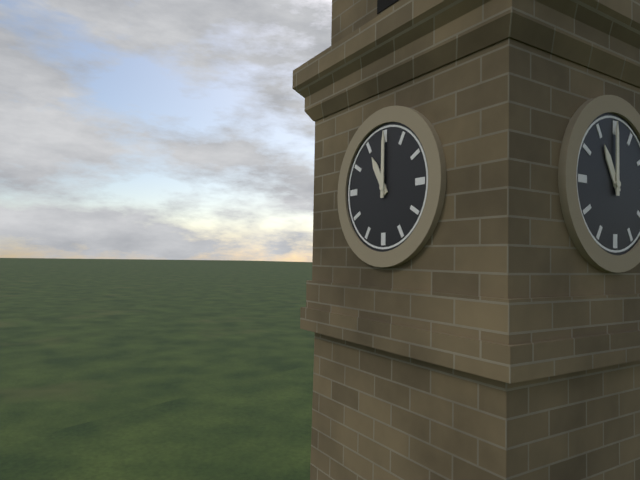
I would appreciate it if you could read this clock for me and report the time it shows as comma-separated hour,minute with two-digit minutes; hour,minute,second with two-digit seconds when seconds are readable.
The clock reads 11,00
